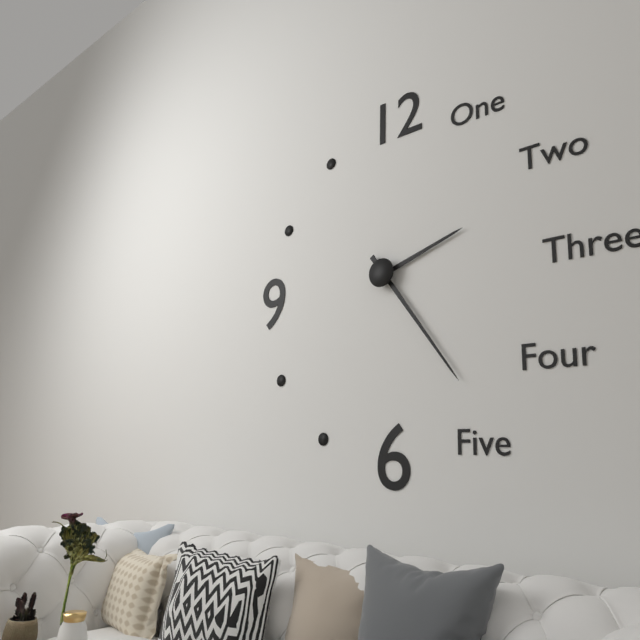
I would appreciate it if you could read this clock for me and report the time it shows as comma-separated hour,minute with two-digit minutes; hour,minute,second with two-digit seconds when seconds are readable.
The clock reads 2,24
